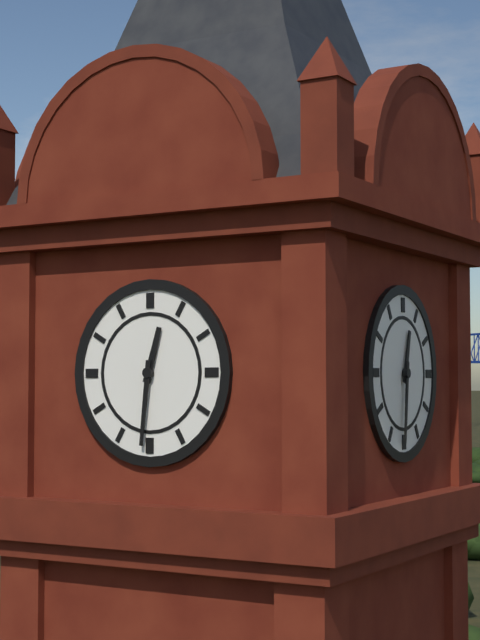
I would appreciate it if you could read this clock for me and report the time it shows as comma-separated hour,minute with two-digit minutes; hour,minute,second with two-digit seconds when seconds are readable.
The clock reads 12,31
